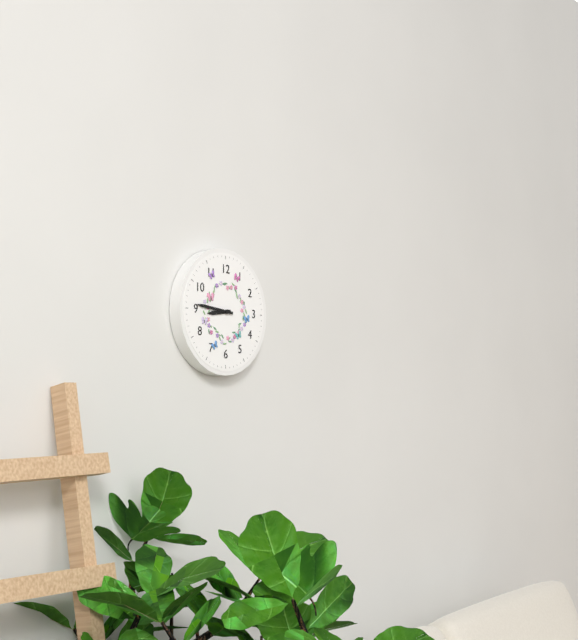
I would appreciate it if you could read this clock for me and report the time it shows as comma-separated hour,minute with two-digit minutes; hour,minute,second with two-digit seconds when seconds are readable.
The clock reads 8,46
